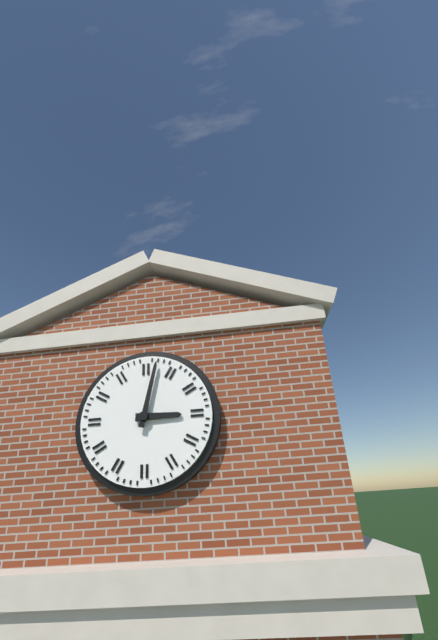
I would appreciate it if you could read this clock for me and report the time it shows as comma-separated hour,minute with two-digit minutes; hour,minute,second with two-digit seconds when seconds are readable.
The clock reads 3,02
